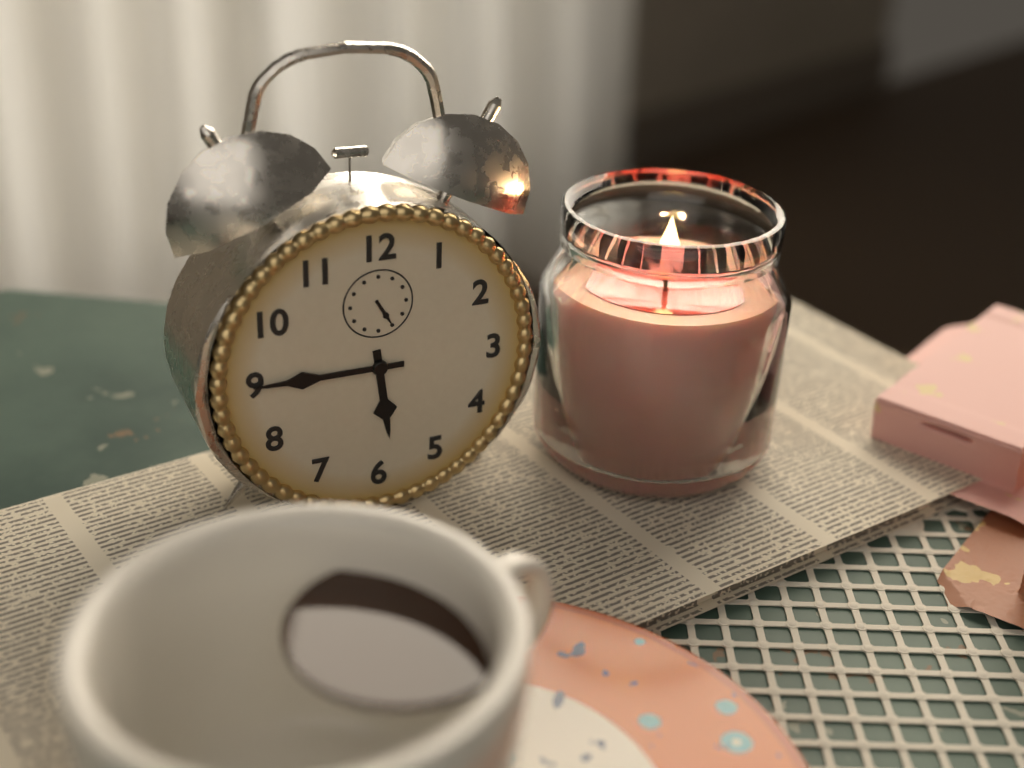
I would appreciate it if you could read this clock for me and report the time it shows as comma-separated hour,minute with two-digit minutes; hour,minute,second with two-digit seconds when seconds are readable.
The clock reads 5,45
